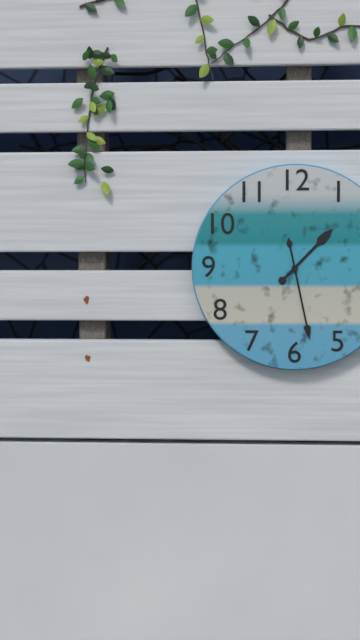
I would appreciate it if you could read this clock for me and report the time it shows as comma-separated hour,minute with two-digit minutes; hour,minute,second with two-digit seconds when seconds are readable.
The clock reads 1,28
